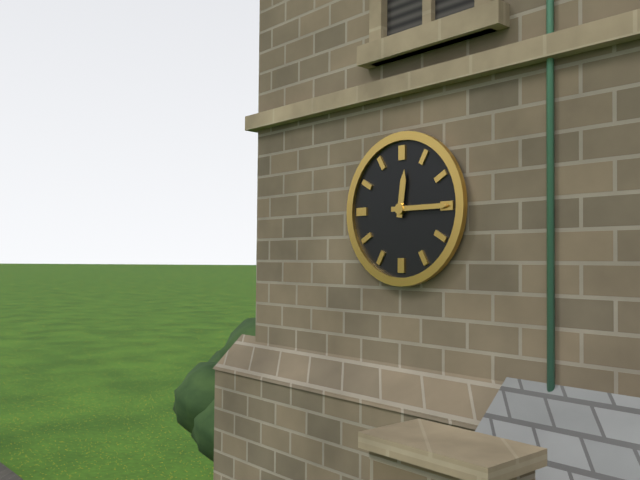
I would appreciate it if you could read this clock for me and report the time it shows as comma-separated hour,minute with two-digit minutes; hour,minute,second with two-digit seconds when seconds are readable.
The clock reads 12,15
